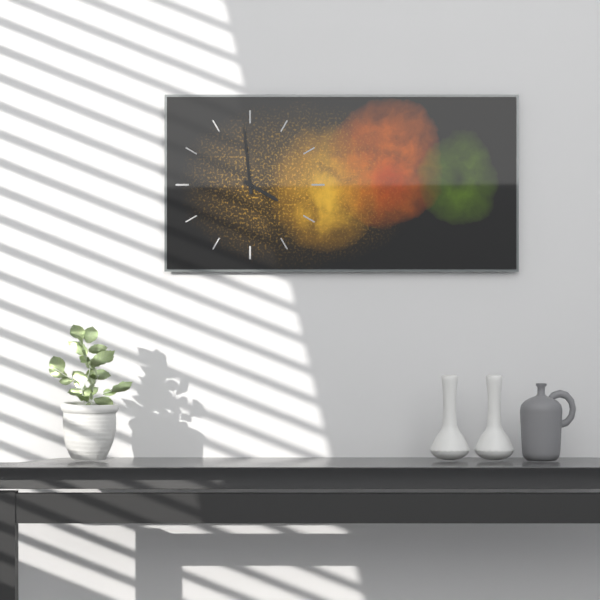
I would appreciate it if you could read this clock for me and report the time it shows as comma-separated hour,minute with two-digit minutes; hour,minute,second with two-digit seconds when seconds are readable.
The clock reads 3,59
